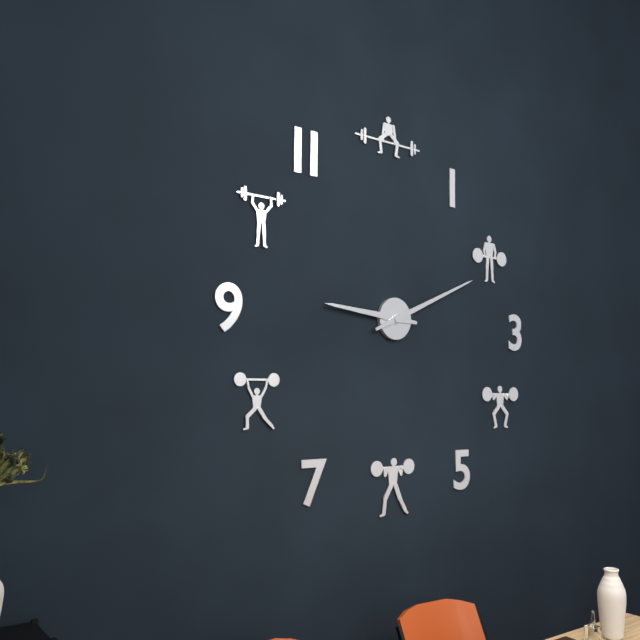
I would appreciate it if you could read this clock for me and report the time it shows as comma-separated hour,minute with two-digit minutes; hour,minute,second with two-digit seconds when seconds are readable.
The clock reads 9,11
